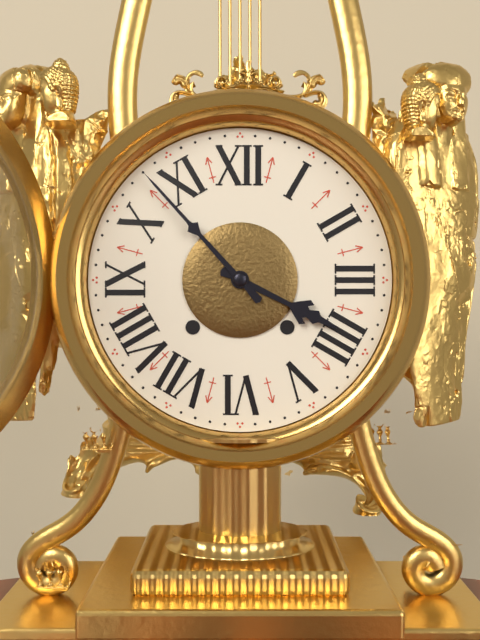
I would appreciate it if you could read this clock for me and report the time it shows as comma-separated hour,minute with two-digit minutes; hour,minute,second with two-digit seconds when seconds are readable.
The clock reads 3,53
